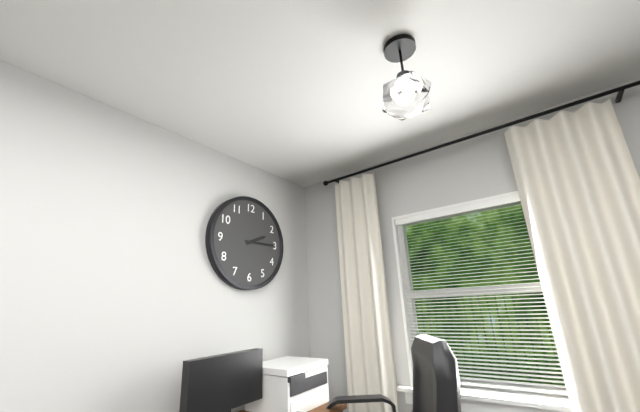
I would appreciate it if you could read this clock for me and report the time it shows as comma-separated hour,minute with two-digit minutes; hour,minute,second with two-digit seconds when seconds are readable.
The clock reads 2,15
